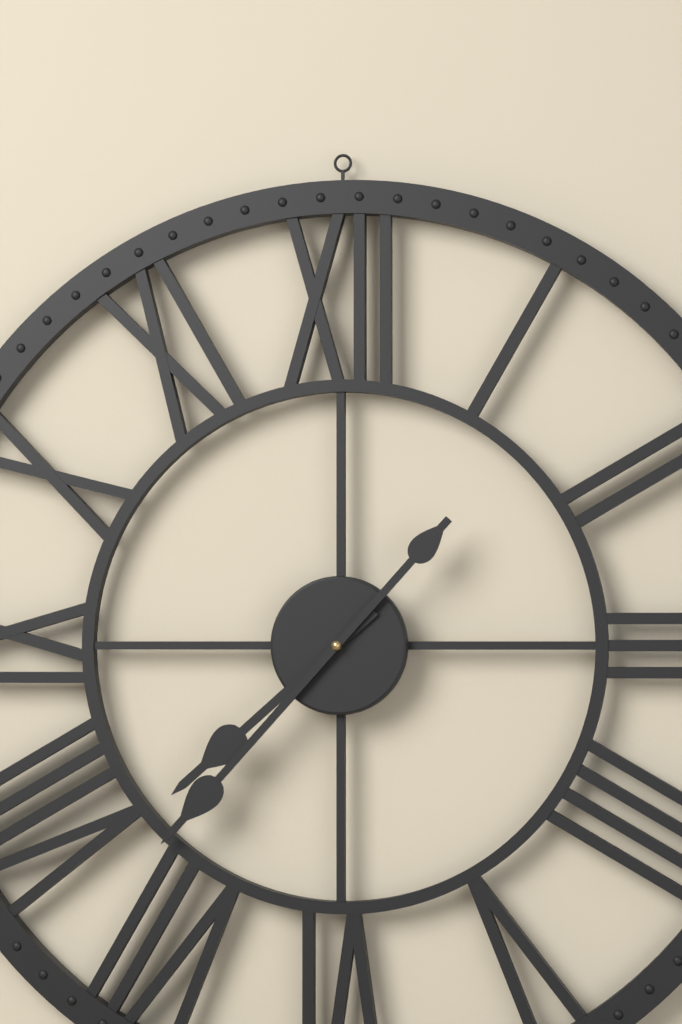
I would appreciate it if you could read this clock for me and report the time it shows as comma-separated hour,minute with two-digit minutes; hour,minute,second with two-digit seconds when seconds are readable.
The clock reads 7,37
